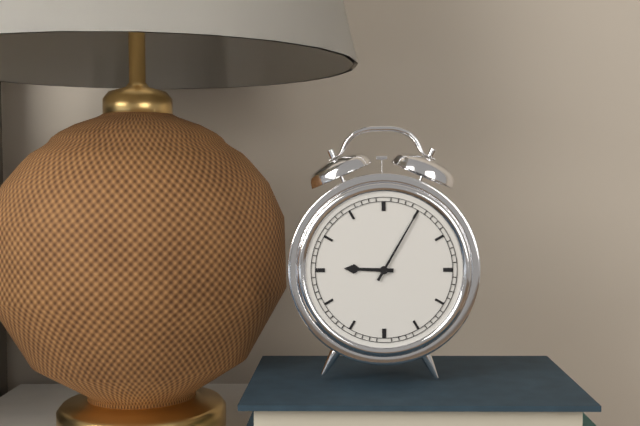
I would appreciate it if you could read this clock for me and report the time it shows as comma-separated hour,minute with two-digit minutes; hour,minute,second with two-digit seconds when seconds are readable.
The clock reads 9,05
